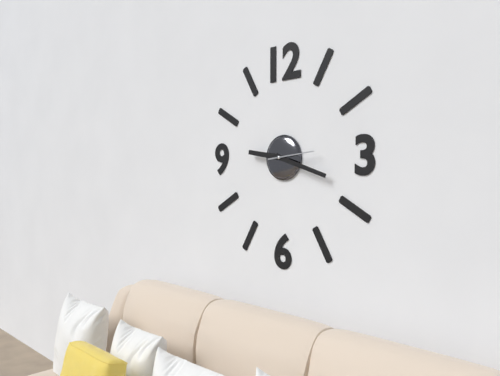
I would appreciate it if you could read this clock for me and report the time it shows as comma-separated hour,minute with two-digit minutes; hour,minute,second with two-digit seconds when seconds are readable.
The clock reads 9,18
